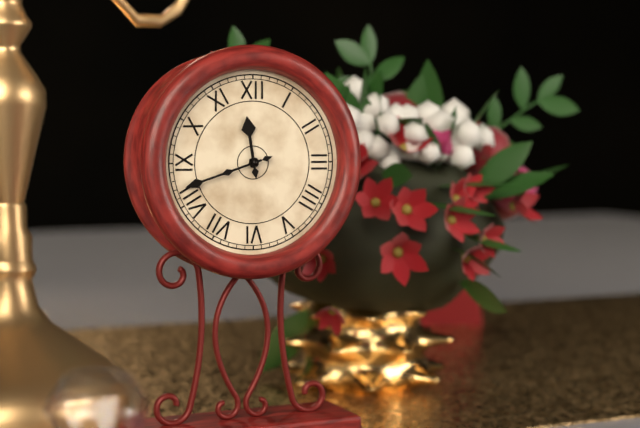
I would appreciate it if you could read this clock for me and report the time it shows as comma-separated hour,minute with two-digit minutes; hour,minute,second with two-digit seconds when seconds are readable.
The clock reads 11,42
